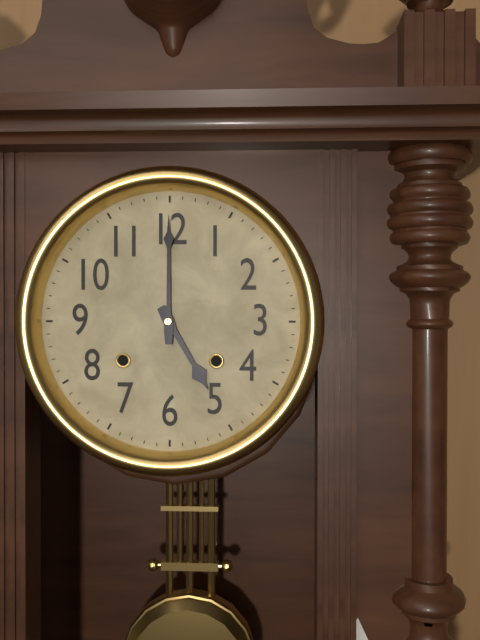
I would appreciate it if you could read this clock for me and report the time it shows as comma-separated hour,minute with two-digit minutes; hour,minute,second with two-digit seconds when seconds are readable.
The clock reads 5,00
